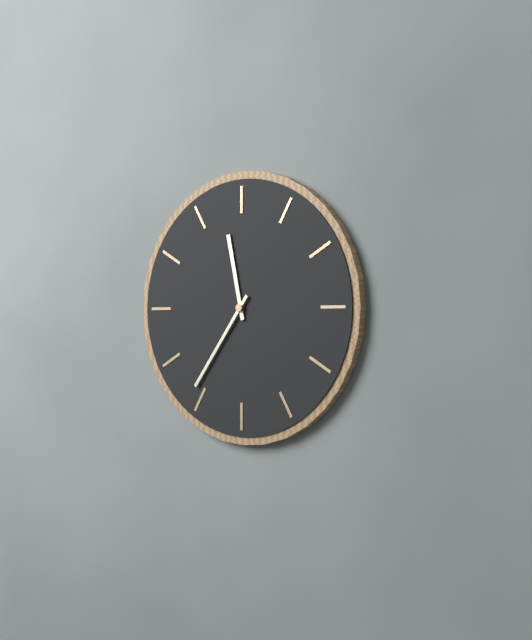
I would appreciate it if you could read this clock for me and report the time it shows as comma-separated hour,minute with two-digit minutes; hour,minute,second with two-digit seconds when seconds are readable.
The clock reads 11,36
